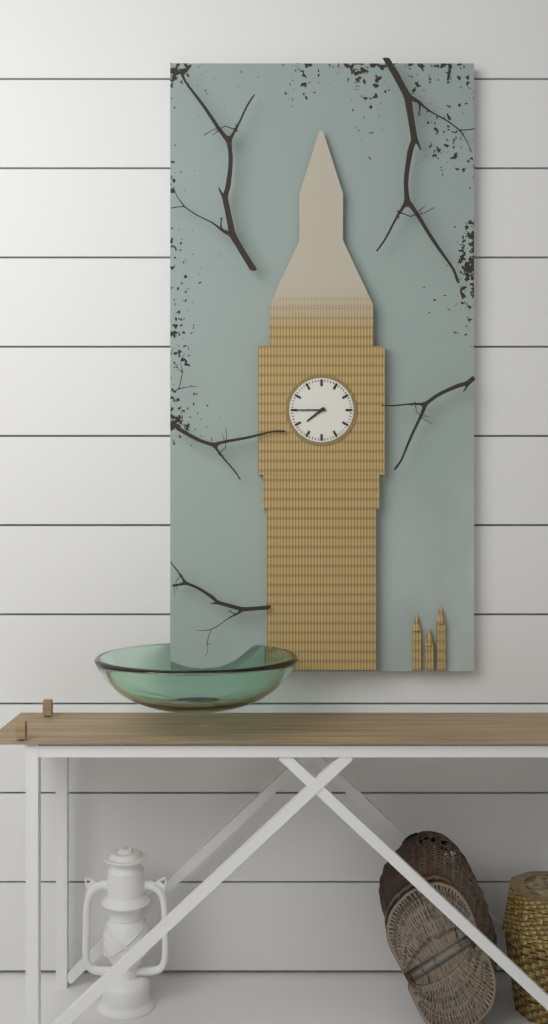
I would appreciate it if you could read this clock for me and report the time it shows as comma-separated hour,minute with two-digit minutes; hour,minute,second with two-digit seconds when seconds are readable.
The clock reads 7,45
